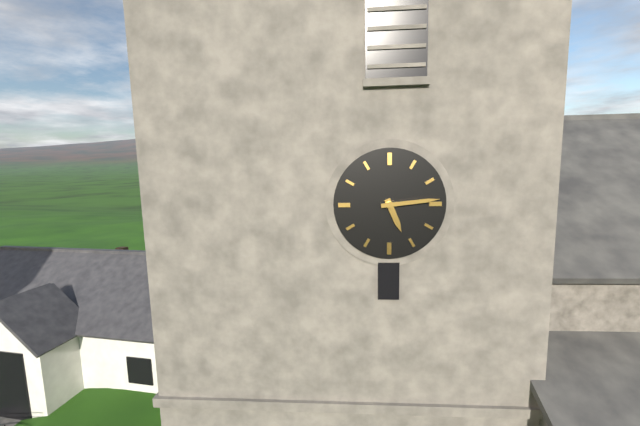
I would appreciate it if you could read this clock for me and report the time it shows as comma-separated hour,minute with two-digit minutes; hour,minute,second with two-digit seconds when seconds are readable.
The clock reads 5,14
